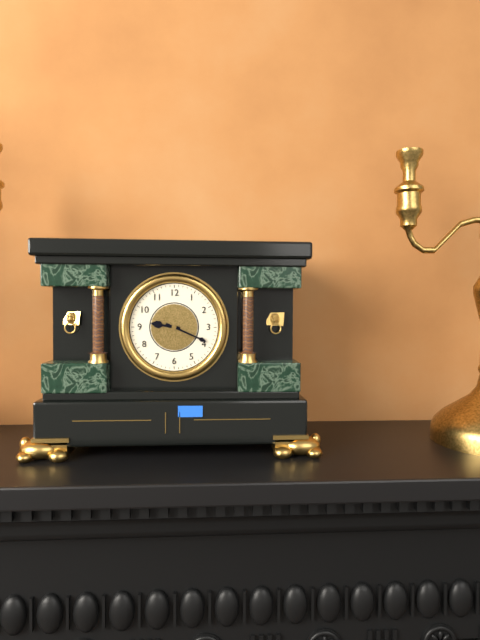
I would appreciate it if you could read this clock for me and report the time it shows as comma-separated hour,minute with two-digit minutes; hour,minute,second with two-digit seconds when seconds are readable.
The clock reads 9,19
